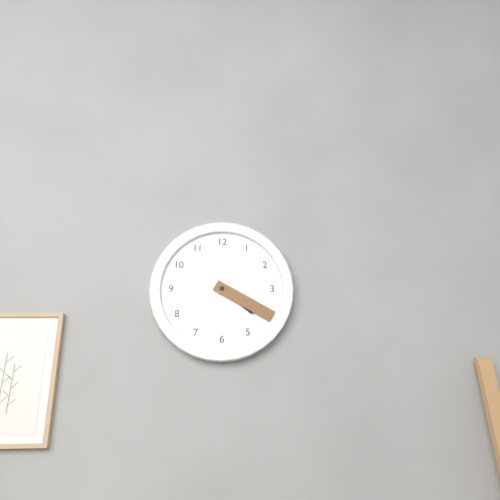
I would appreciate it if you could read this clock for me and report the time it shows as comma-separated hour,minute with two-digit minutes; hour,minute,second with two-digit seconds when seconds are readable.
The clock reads 4,20
